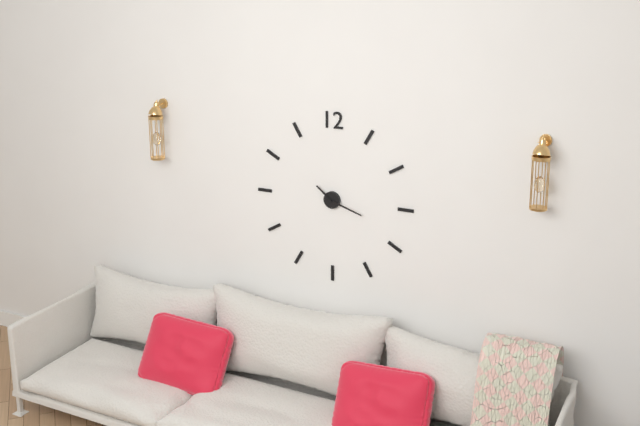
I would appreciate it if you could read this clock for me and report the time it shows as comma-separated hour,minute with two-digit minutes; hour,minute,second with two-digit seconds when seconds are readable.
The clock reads 10,18
